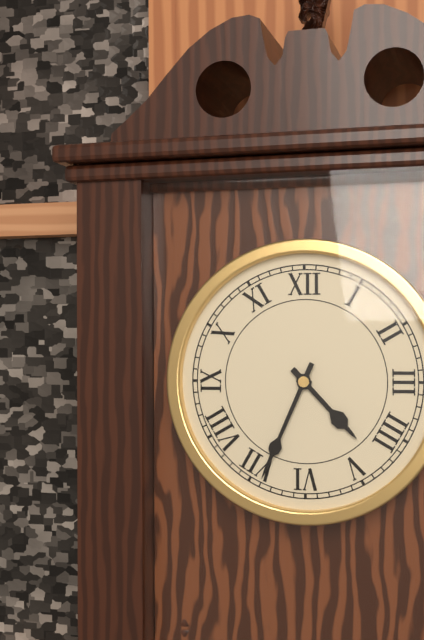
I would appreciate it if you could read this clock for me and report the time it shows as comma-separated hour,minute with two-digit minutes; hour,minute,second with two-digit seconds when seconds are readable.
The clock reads 4,34
